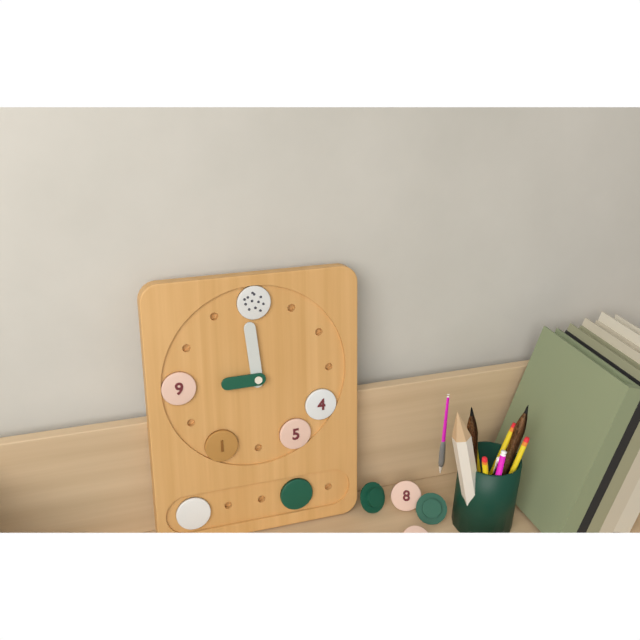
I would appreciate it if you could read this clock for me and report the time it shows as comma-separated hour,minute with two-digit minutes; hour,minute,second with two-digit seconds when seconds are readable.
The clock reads 8,59
